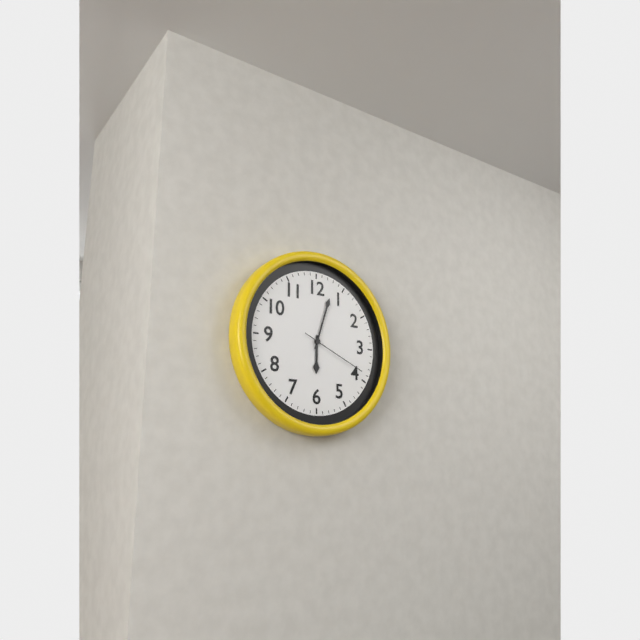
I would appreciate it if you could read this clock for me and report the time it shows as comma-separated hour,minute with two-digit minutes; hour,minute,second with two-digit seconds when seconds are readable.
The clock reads 6,03,19
